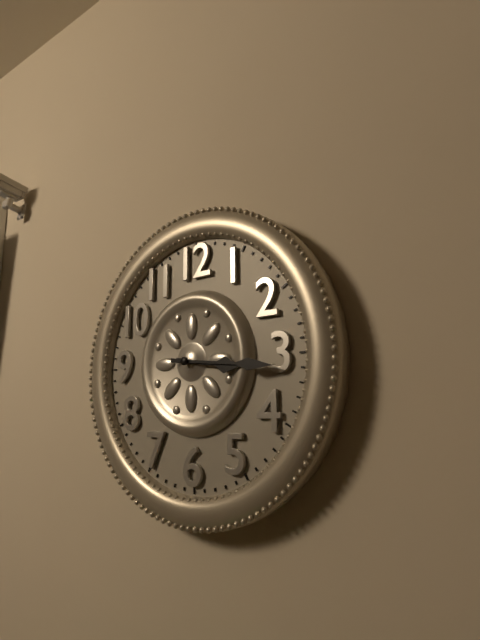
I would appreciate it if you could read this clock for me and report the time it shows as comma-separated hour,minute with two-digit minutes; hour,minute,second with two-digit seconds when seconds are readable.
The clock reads 3,16
